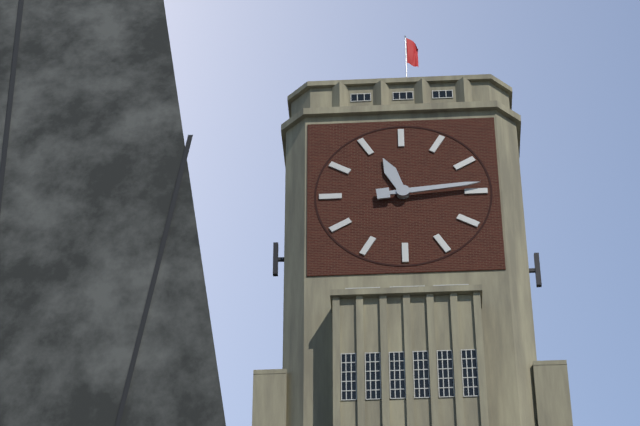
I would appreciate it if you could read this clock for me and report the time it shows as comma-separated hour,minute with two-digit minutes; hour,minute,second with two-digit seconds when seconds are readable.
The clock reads 11,14
